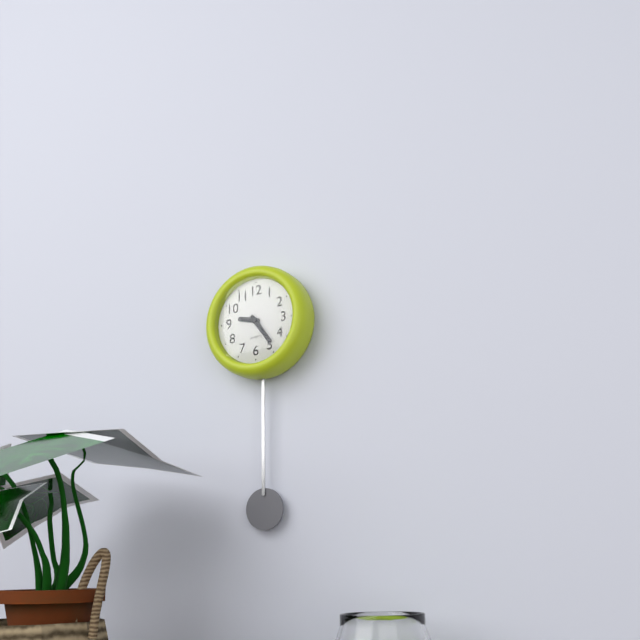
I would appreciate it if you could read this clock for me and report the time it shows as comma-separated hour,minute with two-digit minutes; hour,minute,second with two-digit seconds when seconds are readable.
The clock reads 9,24
